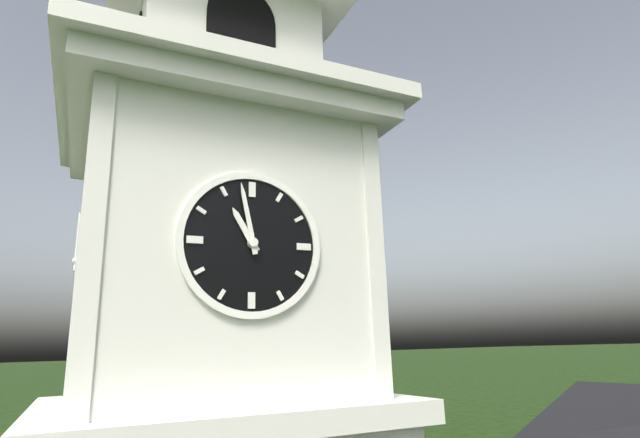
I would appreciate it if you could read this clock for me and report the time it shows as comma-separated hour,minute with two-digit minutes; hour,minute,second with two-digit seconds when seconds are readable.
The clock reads 10,58
